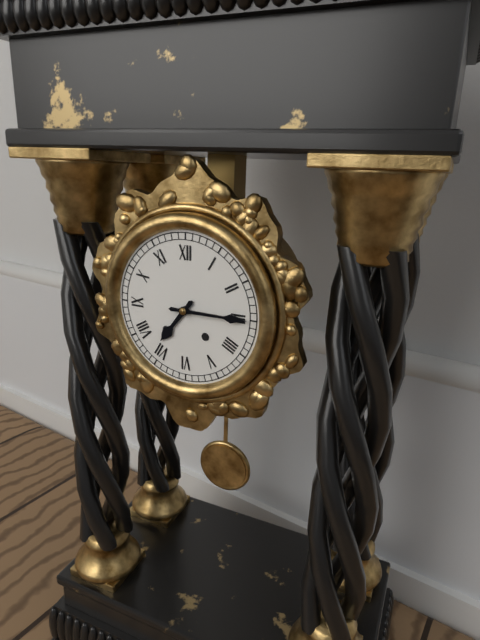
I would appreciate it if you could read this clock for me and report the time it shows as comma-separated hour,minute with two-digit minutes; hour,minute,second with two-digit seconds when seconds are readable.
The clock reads 7,15
